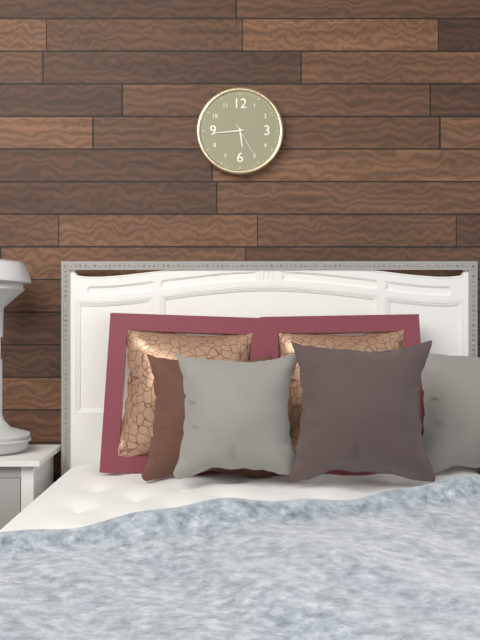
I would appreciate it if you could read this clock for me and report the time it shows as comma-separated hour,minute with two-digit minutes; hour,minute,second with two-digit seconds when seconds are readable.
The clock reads 5,44
